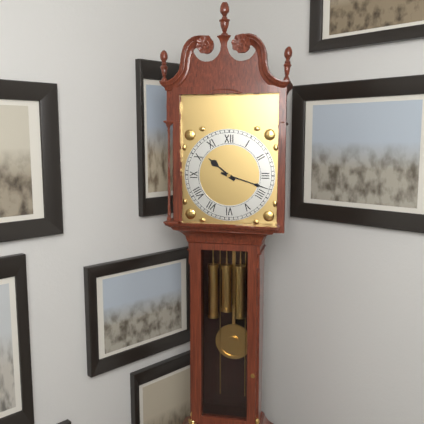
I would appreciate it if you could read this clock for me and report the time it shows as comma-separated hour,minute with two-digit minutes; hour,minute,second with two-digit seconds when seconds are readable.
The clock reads 10,18
